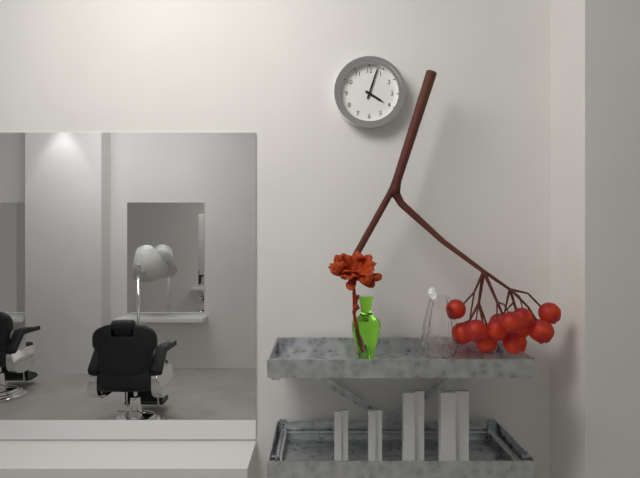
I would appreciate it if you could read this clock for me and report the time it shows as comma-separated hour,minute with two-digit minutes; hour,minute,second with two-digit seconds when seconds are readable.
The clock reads 4,03
